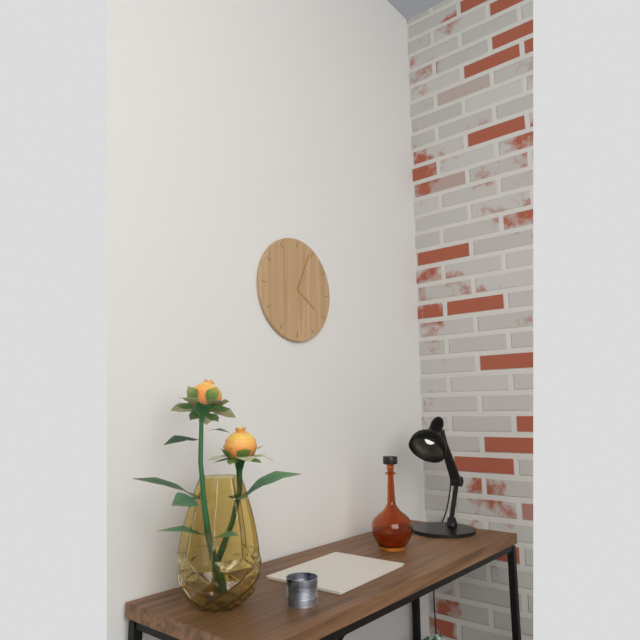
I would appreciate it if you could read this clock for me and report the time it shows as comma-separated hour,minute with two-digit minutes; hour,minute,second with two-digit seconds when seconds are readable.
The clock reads 4,04
